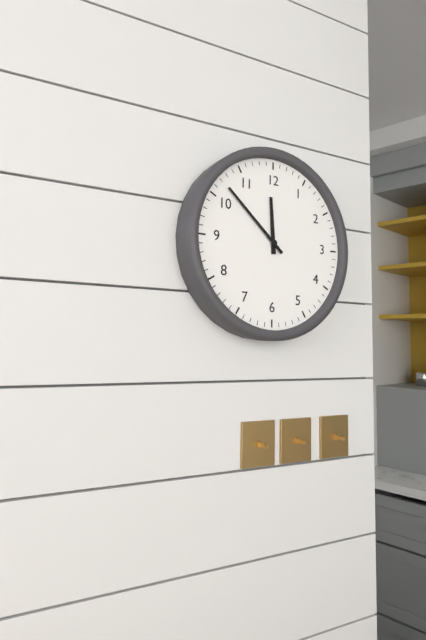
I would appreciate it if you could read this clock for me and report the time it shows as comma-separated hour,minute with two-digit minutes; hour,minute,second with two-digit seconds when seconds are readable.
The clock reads 11,52
